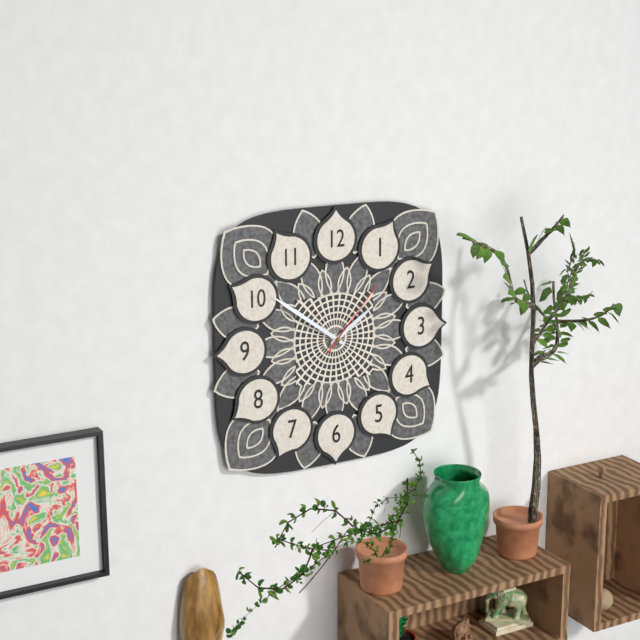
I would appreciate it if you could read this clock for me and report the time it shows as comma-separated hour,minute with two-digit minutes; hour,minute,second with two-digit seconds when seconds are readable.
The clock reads 1,51,07
